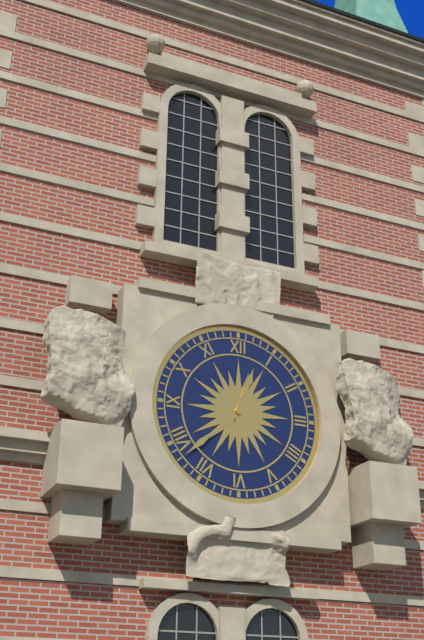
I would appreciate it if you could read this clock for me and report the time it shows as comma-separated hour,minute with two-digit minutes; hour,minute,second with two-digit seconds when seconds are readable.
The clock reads 12,38
